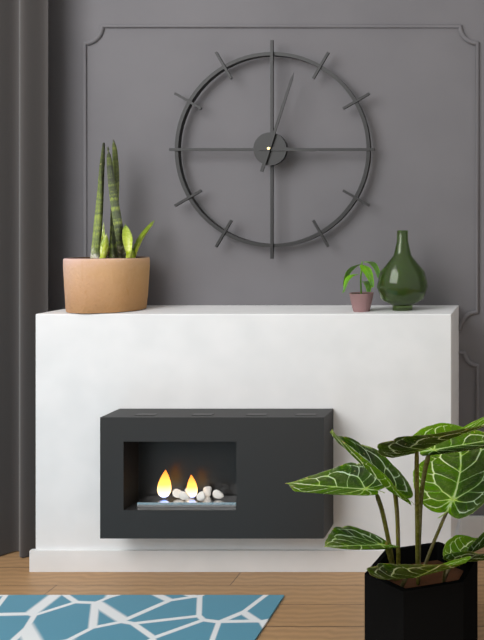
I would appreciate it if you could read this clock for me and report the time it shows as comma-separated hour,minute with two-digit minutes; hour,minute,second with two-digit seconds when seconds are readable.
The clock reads 3,03
